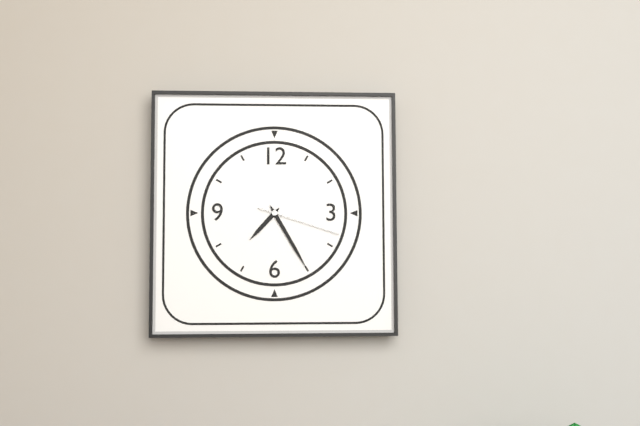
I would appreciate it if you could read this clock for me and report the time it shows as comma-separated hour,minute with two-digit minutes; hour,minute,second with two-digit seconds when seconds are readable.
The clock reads 7,25,18
